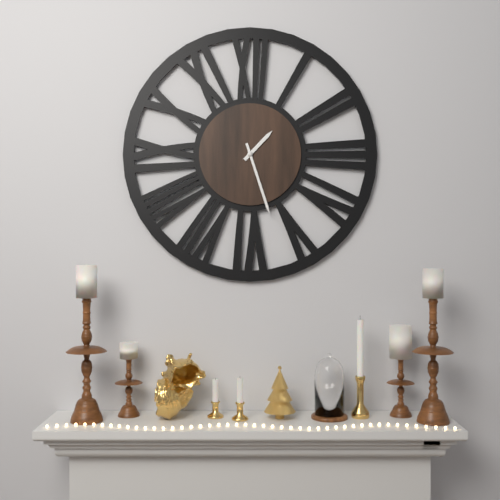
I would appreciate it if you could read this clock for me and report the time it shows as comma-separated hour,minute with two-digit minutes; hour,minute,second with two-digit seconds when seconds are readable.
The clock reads 1,27
